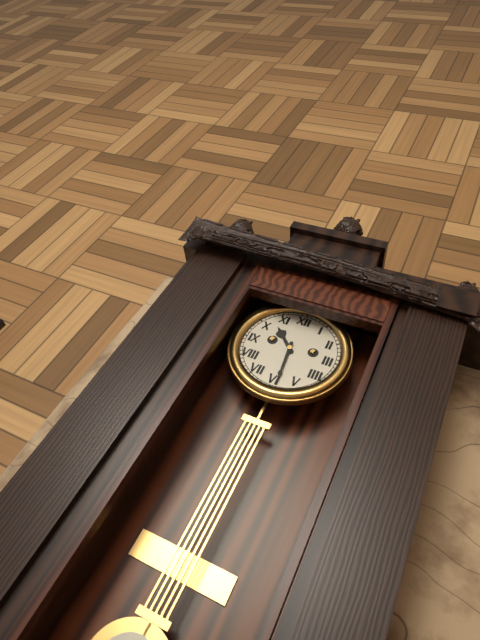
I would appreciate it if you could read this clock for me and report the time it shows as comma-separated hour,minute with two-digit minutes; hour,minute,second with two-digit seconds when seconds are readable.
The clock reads 10,29
